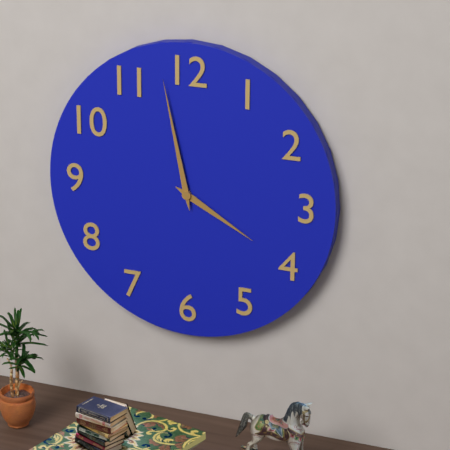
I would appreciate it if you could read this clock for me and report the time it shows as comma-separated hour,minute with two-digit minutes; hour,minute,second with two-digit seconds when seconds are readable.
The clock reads 3,58
